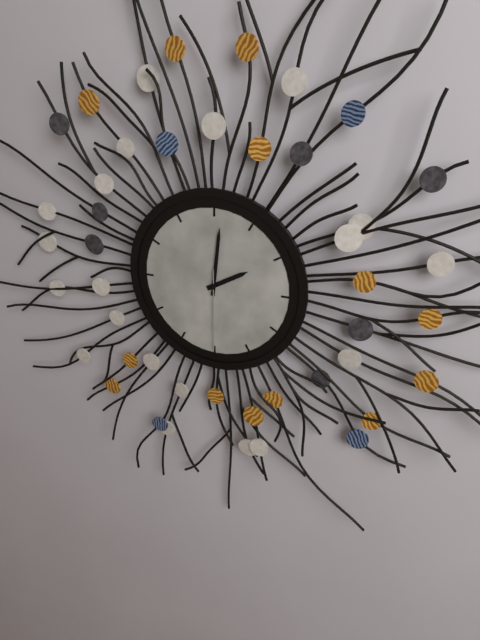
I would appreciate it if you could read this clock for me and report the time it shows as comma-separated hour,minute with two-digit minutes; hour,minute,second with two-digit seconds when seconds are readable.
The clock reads 2,01,30
